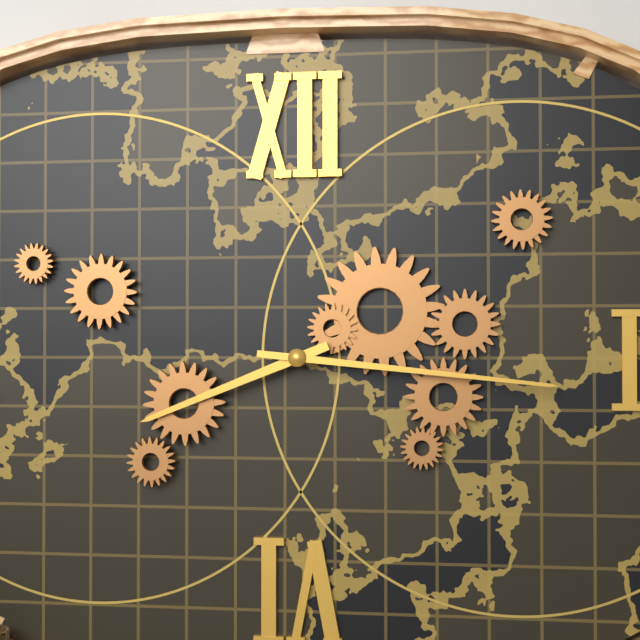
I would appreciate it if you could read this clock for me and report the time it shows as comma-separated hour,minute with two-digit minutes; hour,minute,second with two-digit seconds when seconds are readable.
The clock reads 8,16
